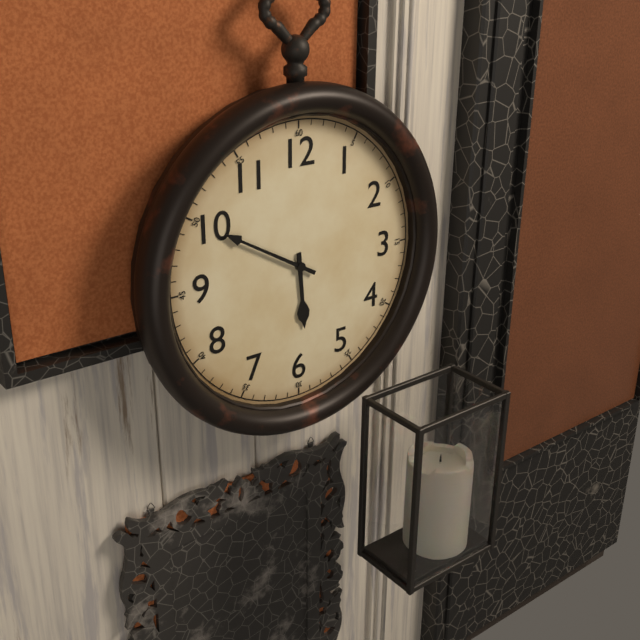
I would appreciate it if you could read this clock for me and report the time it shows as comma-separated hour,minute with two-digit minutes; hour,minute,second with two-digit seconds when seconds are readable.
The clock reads 5,50
